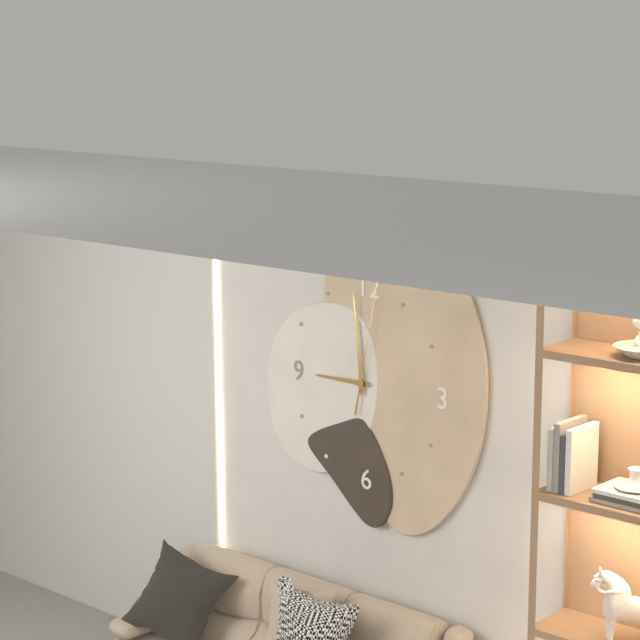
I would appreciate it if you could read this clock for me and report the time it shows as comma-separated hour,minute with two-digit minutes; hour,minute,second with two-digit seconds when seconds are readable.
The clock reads 8,59,02
